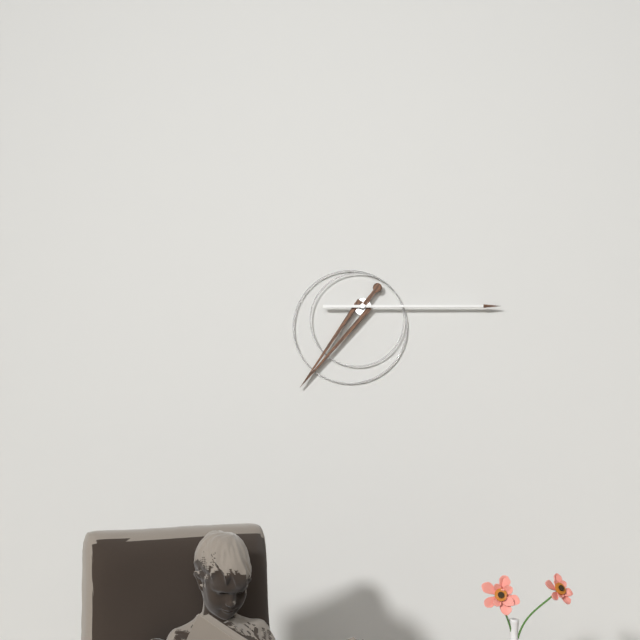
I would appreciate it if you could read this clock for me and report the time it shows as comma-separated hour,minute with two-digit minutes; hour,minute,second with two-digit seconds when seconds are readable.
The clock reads 7,15
